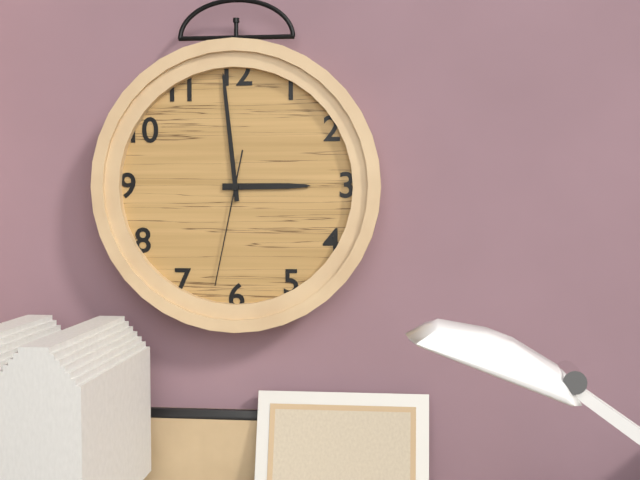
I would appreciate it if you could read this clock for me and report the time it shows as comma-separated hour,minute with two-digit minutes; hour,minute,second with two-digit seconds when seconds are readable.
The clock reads 2,59,32
